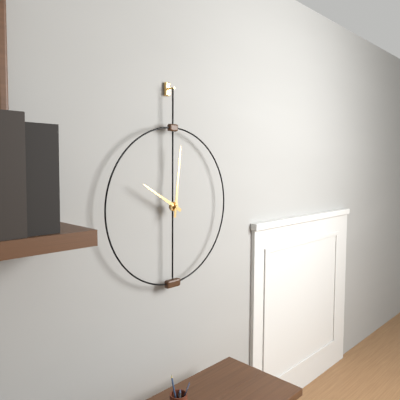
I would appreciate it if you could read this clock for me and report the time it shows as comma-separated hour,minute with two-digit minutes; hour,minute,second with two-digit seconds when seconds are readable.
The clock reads 10,01
